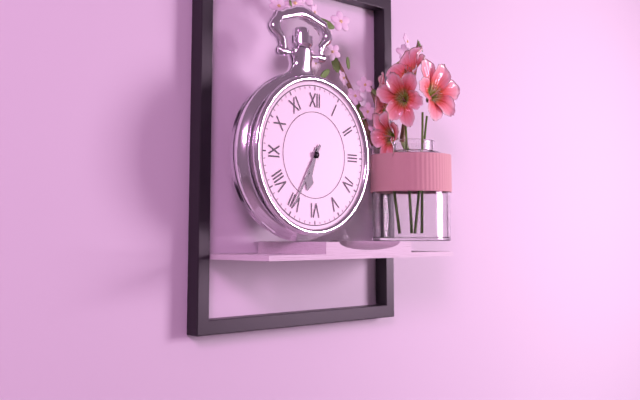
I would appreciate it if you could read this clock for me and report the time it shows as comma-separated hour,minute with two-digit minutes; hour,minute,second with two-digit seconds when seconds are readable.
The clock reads 6,35
